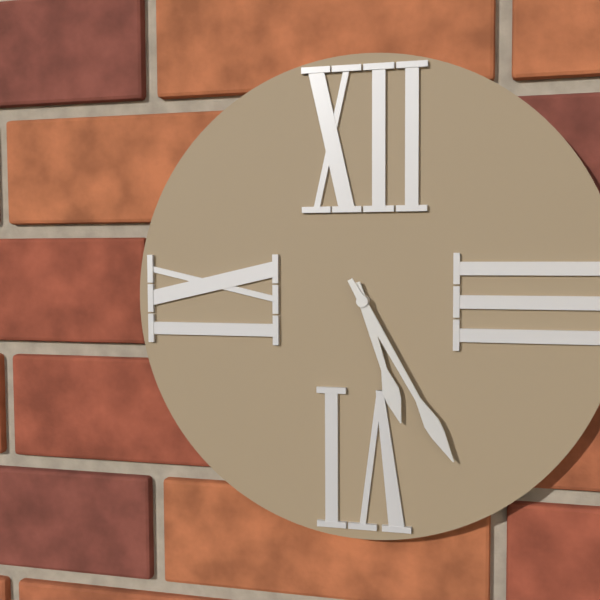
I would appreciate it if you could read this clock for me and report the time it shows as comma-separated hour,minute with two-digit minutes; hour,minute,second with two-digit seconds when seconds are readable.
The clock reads 5,25
